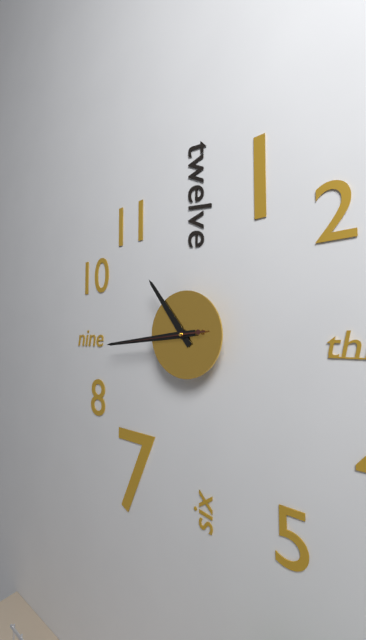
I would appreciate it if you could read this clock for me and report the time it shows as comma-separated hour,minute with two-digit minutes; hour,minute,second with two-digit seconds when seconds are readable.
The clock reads 10,44,44
